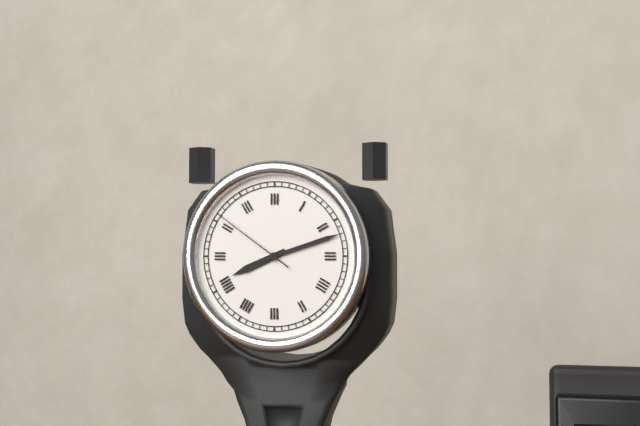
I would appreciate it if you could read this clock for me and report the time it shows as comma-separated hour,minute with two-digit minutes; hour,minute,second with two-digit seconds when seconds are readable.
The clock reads 8,12,51
